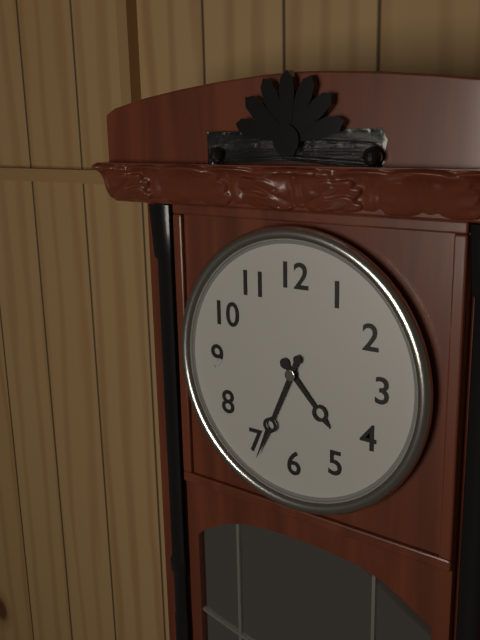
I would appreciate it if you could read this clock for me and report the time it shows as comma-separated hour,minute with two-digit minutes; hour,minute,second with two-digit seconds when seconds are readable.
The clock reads 4,34
